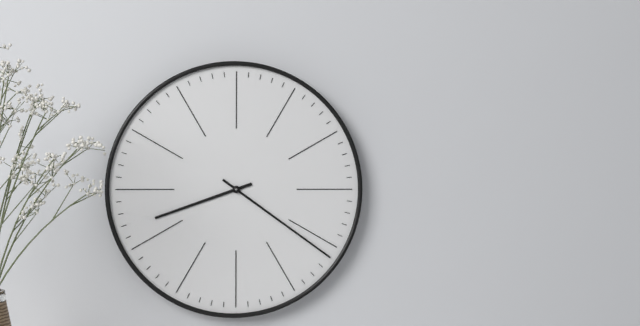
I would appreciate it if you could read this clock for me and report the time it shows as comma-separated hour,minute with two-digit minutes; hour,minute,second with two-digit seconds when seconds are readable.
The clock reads 8,21
